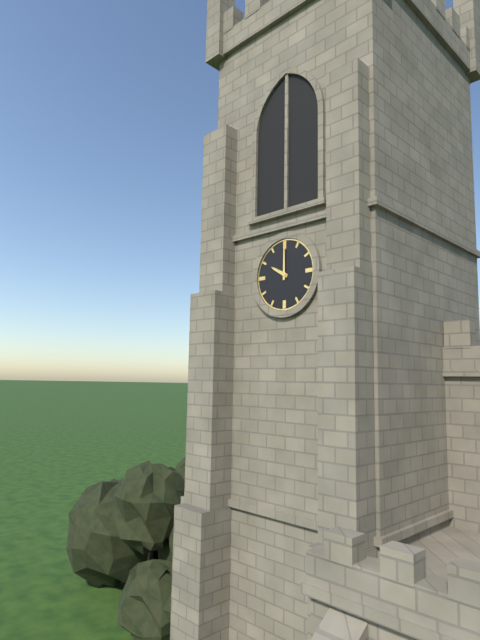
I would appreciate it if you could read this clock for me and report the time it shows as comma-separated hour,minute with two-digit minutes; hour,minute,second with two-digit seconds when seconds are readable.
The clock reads 10,00
